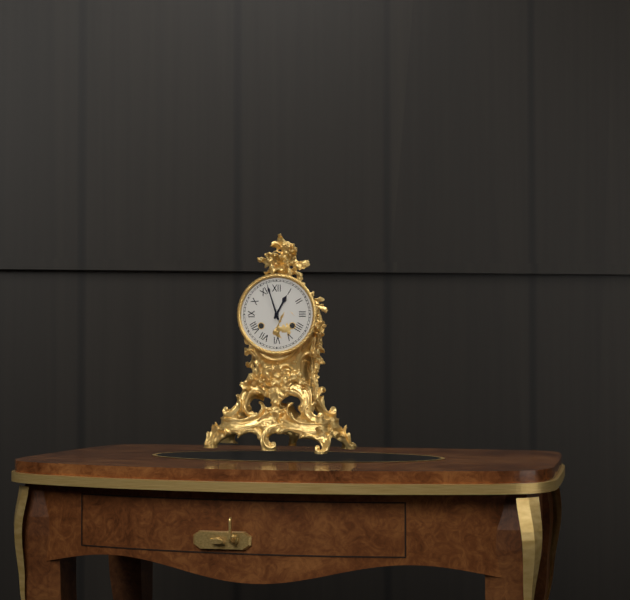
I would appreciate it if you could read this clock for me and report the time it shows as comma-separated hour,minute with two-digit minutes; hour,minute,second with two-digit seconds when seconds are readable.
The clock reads 12,57
